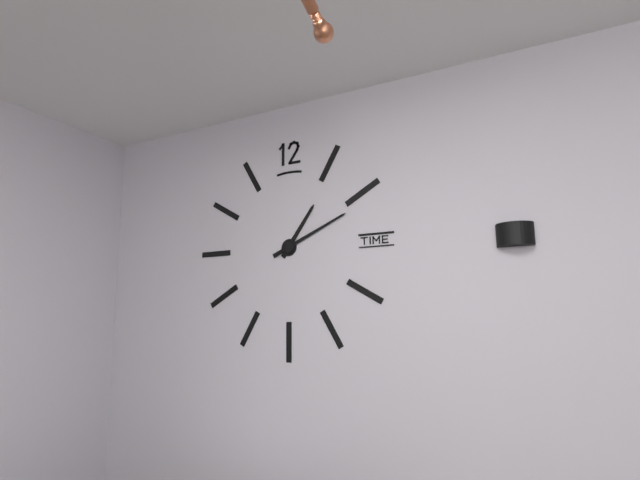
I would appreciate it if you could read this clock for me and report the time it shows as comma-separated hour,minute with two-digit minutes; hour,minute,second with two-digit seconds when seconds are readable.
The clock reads 1,11
